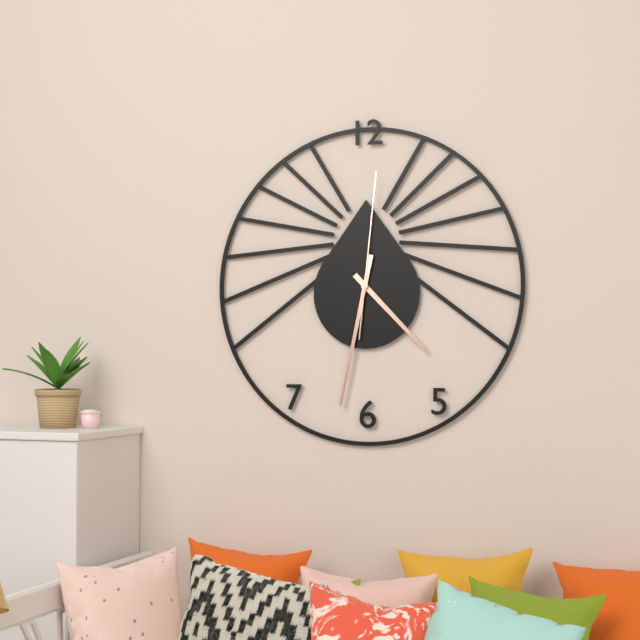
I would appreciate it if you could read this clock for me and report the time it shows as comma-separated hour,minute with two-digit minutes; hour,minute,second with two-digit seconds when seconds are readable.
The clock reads 4,32,01
